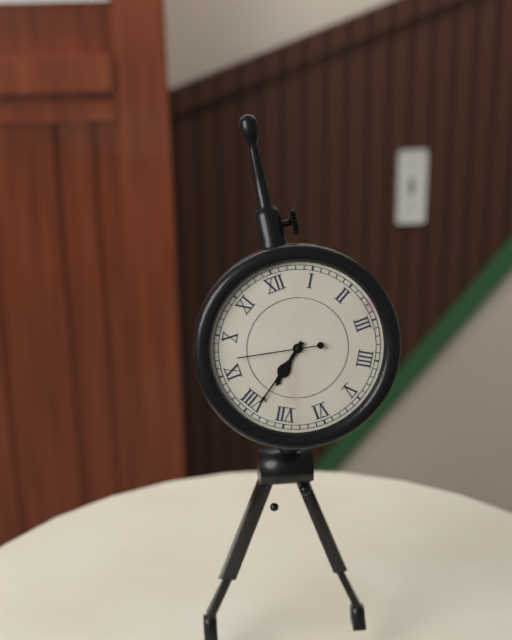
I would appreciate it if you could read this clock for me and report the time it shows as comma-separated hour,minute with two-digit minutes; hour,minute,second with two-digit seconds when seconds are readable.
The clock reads 7,39,47
